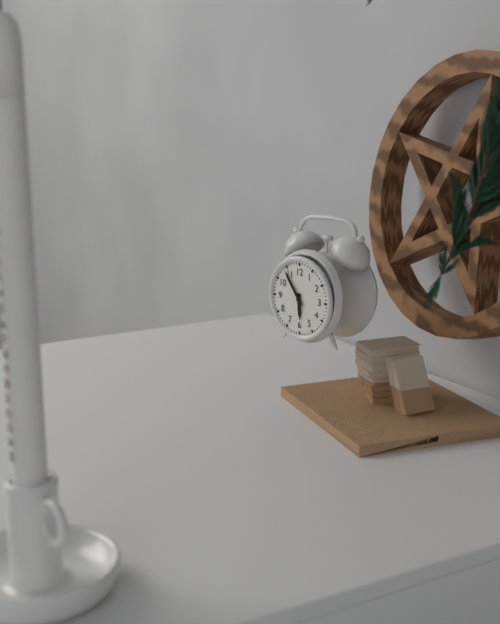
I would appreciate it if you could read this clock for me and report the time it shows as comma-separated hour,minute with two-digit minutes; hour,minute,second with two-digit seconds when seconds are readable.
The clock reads 5,54
